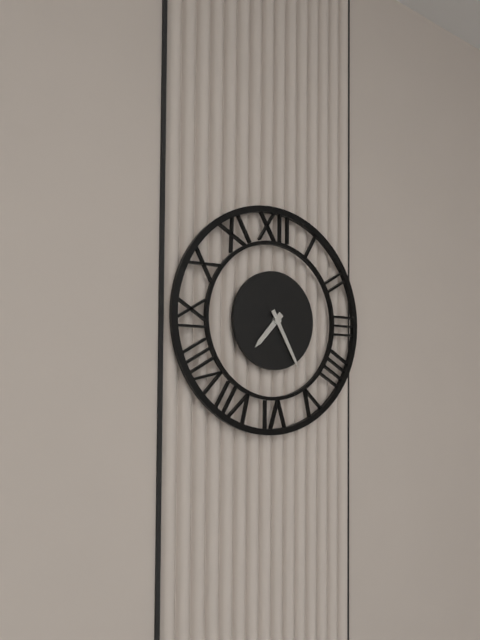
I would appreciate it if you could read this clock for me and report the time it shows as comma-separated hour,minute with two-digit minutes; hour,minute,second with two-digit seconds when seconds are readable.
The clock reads 7,25
